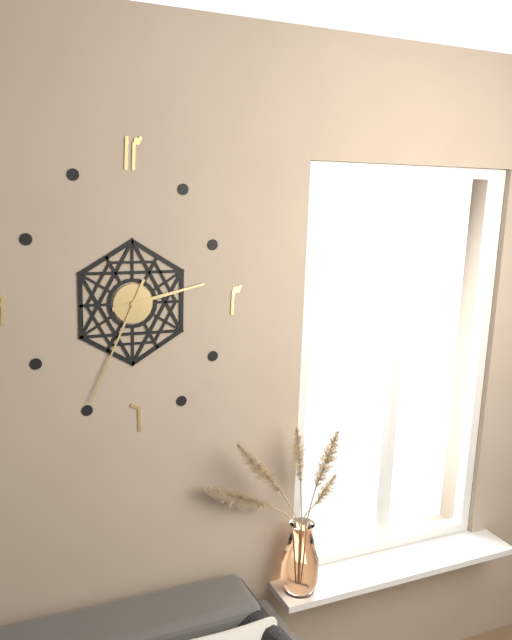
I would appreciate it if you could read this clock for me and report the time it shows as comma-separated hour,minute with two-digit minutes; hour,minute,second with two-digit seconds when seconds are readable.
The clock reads 2,34
